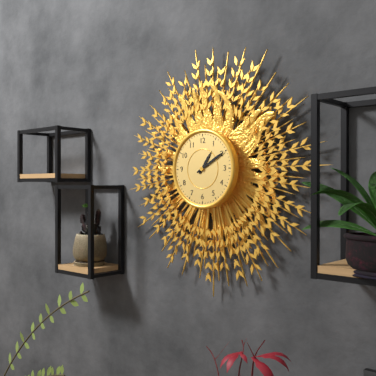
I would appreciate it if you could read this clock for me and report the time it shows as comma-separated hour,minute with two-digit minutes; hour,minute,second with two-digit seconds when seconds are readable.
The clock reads 1,10
